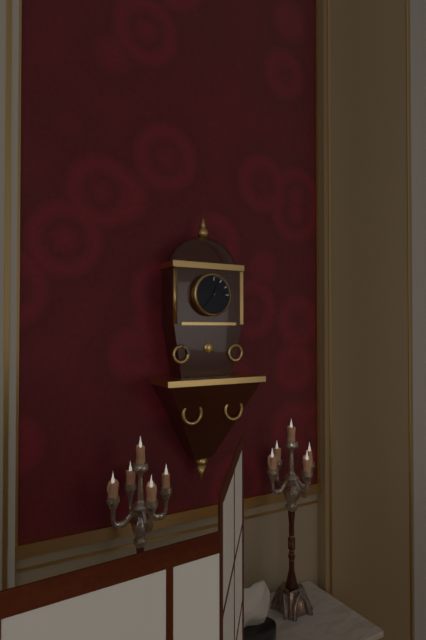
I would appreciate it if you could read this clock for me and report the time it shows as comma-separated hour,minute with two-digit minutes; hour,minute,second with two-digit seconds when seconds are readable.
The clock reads 12,37
